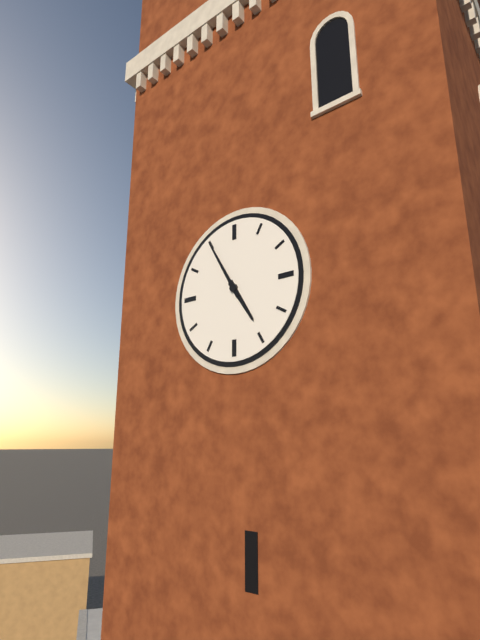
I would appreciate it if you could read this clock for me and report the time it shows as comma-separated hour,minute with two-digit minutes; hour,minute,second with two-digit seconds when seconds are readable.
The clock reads 4,55
